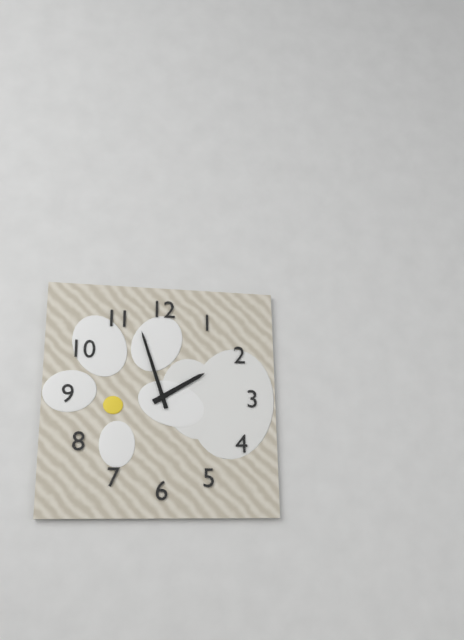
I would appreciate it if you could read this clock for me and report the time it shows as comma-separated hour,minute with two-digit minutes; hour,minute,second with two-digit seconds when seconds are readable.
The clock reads 1,57
